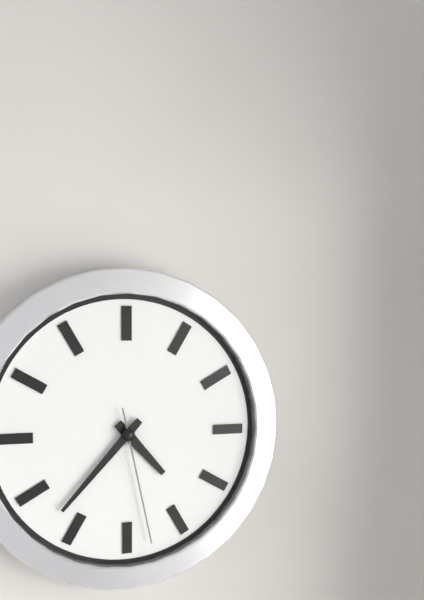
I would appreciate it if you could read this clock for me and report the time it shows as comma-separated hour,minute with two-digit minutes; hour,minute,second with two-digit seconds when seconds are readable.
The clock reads 4,37,28
